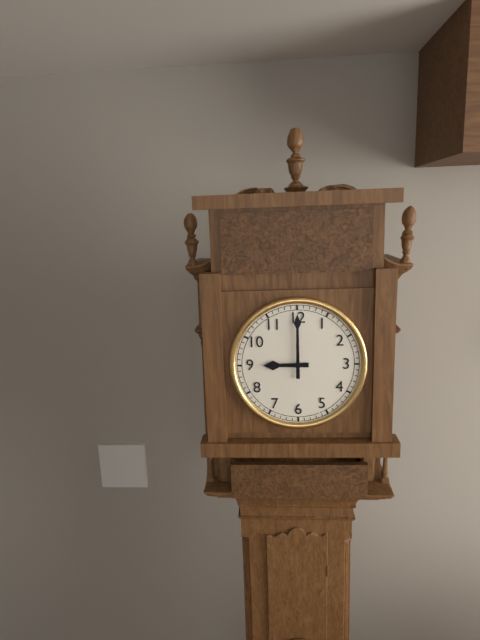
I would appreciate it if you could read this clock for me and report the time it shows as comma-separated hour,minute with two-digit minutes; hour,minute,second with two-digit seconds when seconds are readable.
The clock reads 9,00
